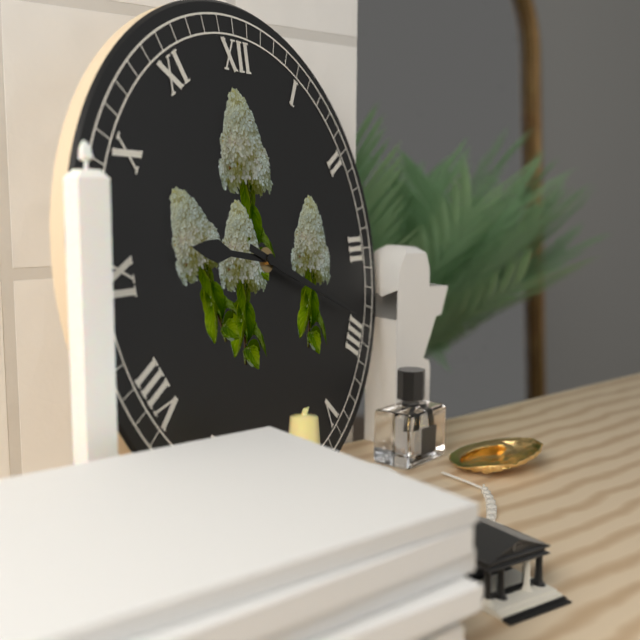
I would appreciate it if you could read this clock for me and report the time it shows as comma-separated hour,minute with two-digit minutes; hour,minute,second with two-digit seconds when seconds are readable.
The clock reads 9,19
